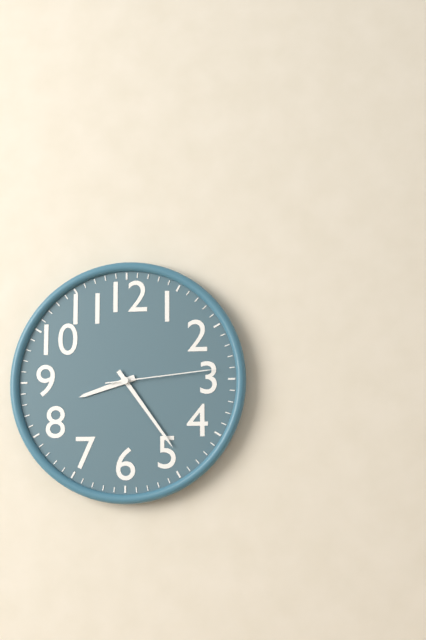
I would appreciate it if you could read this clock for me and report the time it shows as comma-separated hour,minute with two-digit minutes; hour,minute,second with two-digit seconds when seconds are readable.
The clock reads 8,24,14
